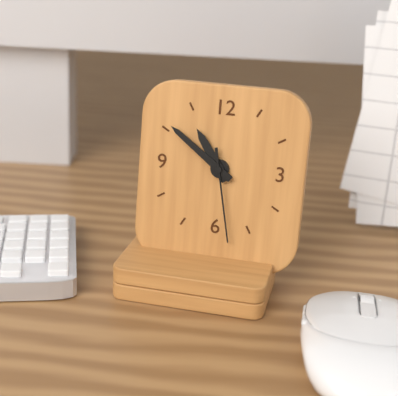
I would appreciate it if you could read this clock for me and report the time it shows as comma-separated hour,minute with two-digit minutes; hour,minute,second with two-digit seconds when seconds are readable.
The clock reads 10,51,28
